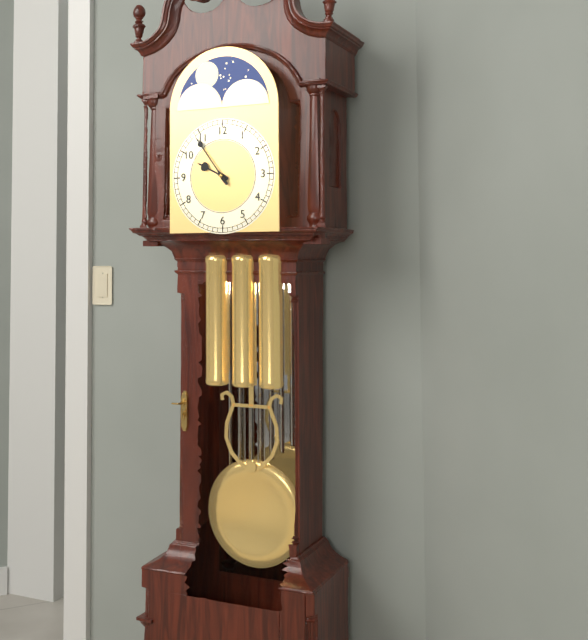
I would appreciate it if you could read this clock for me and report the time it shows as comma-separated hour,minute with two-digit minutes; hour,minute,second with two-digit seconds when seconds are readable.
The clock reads 9,54
